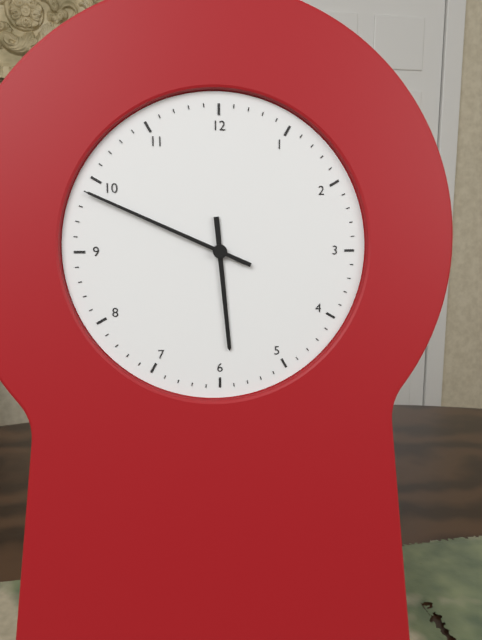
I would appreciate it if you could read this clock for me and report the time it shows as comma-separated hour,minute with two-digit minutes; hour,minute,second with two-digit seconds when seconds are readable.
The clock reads 5,49
